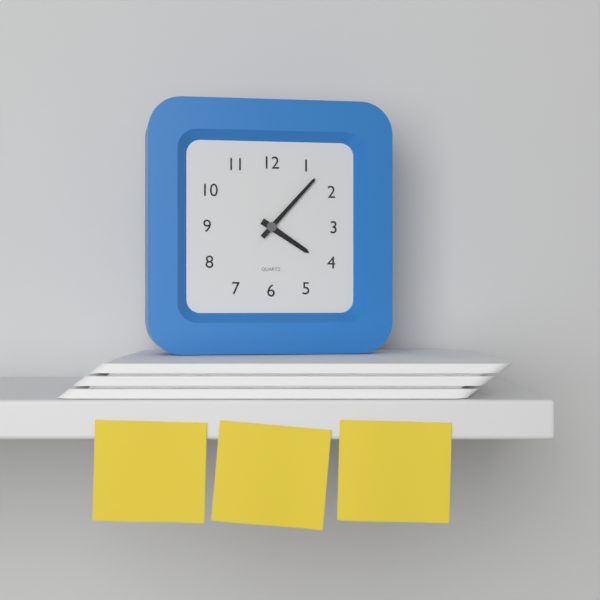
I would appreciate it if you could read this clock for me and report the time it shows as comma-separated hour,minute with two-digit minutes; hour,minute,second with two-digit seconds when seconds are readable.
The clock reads 4,07
